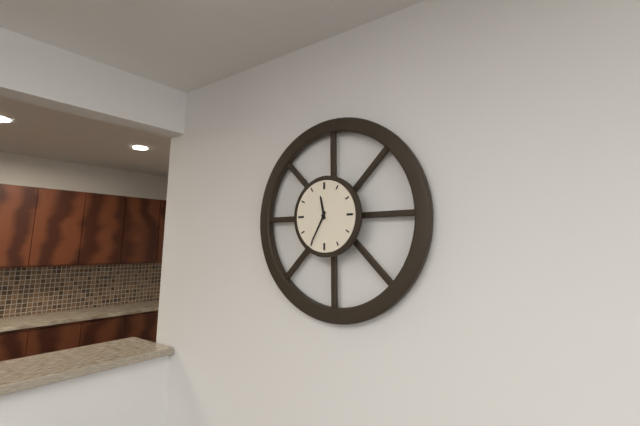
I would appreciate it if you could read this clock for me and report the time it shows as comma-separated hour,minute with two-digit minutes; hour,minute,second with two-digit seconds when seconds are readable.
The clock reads 11,35
